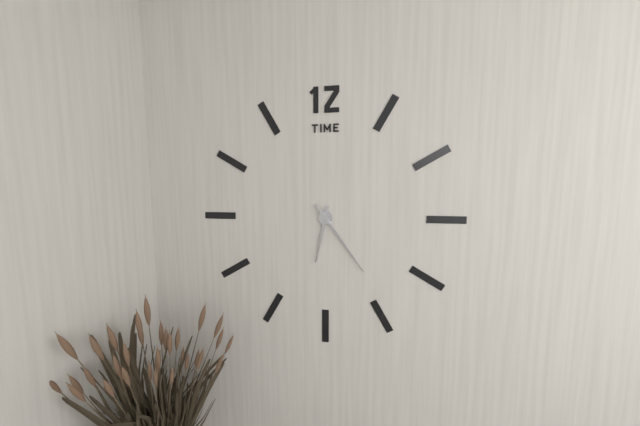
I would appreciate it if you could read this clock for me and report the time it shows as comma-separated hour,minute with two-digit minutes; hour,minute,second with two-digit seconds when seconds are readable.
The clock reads 6,24
